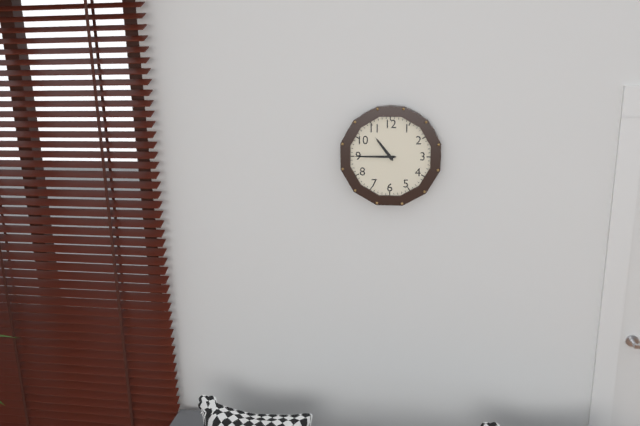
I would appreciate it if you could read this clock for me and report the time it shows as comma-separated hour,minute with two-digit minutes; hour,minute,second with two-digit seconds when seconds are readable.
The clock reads 10,45
